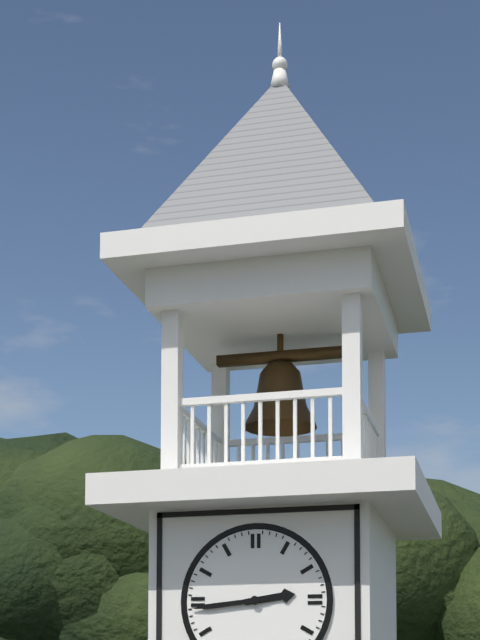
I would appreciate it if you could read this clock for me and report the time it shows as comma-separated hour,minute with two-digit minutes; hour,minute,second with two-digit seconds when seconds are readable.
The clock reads 2,44
